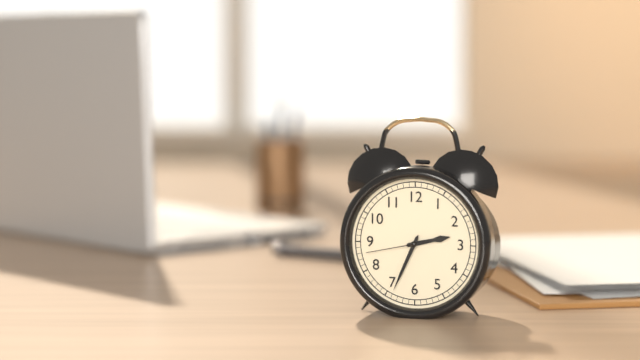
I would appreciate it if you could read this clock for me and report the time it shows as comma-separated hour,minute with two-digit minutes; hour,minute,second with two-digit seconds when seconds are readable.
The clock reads 2,34,43
